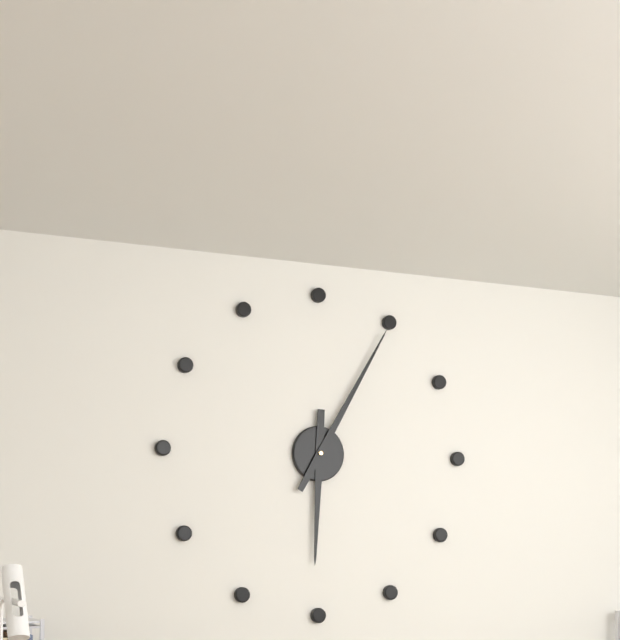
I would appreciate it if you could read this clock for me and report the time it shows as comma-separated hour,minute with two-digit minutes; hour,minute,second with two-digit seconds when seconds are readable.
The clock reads 6,05
